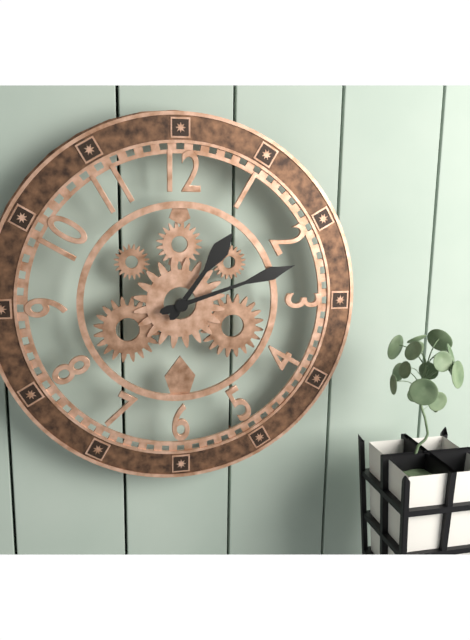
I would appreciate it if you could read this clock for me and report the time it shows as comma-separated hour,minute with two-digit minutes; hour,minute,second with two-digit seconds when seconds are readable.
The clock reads 1,12
